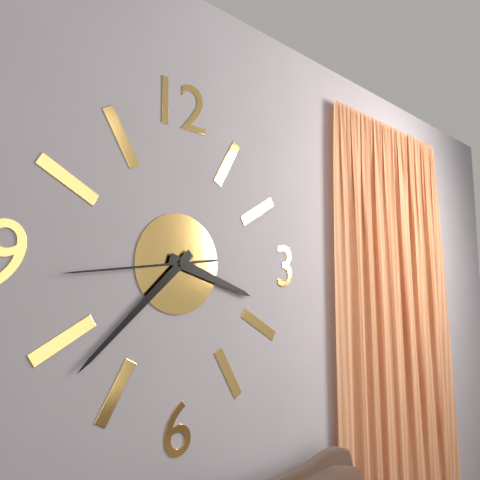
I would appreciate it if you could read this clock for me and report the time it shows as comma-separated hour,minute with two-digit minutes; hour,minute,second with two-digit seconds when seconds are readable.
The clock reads 3,38,44
